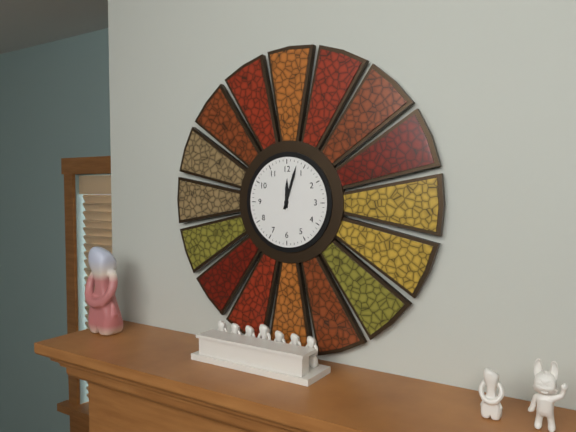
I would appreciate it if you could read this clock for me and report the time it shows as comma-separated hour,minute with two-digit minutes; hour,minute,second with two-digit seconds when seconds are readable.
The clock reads 12,03
